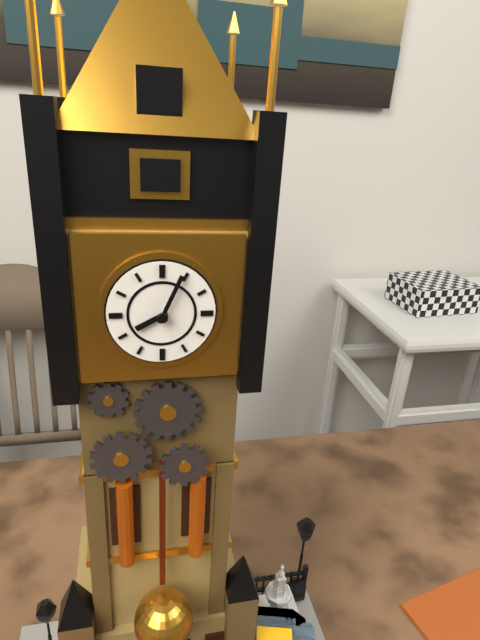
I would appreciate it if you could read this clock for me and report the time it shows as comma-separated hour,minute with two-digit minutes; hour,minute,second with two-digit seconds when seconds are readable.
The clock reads 8,04
